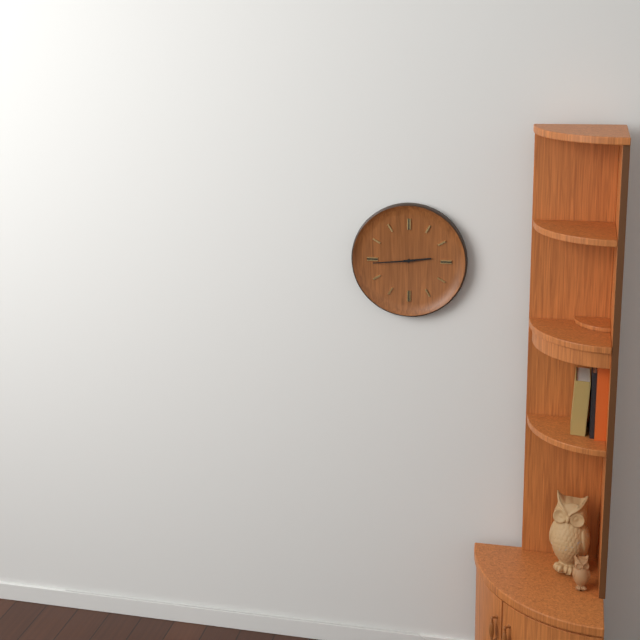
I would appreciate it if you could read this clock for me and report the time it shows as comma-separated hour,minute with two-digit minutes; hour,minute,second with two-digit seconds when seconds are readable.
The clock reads 2,44
